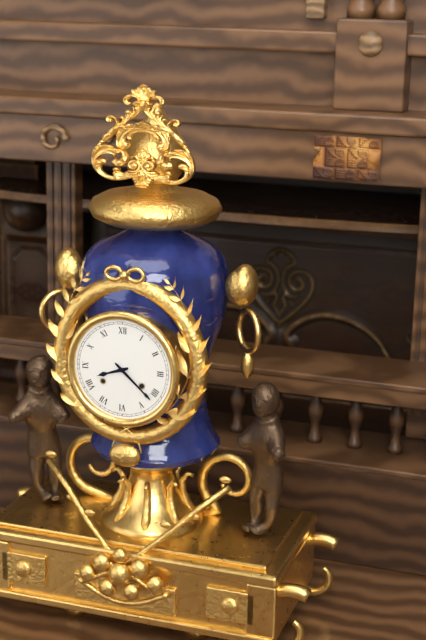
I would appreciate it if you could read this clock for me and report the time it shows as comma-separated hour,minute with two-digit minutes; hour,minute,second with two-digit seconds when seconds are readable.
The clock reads 8,22
